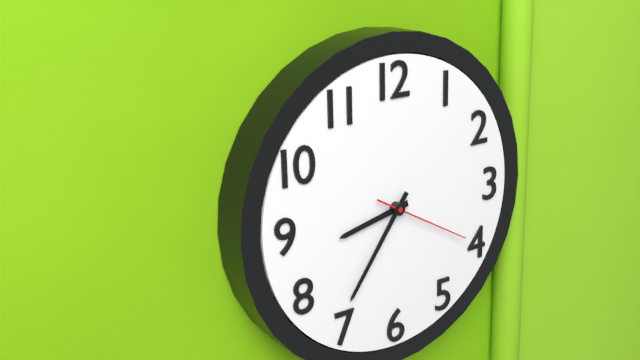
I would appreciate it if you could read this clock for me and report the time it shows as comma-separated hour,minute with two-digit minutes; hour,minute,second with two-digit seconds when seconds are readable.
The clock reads 8,36,20
